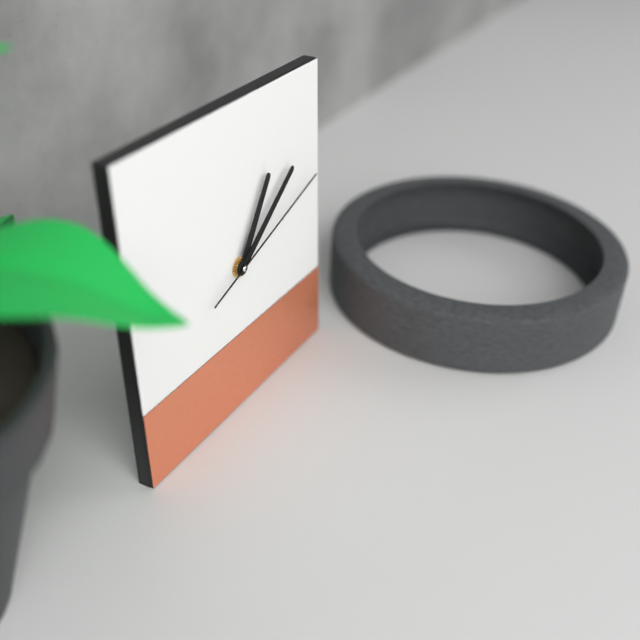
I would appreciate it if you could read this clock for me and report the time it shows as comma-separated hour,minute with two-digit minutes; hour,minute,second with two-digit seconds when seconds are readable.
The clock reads 1,09,12
